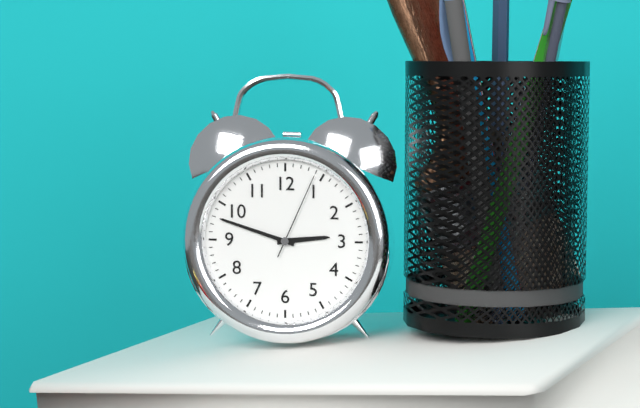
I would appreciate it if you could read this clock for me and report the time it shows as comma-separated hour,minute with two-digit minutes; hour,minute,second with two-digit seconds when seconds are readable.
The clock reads 2,48,04
